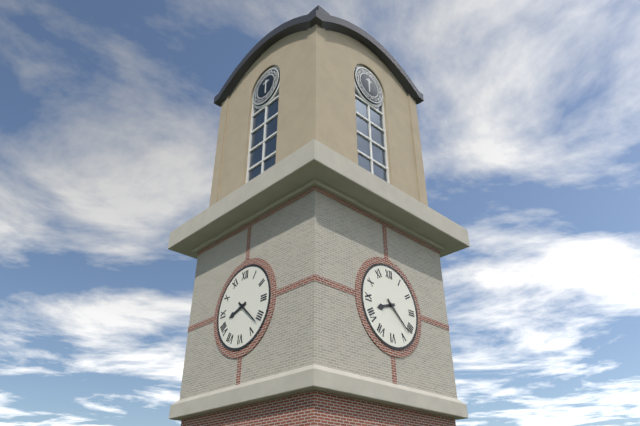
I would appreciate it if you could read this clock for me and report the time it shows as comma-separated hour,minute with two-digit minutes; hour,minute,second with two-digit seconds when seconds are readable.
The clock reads 8,22
